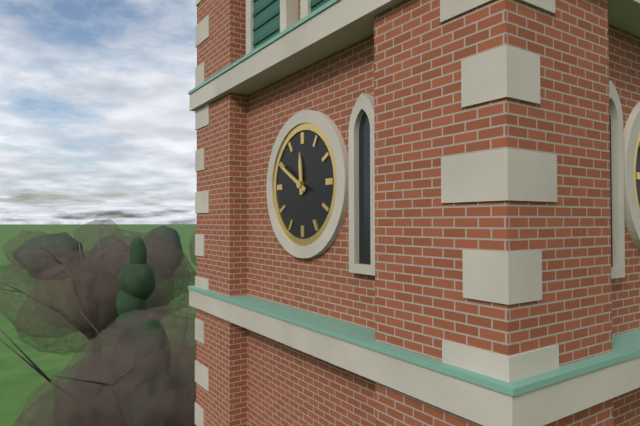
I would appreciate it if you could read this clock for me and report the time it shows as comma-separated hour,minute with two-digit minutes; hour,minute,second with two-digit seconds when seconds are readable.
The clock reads 11,50
